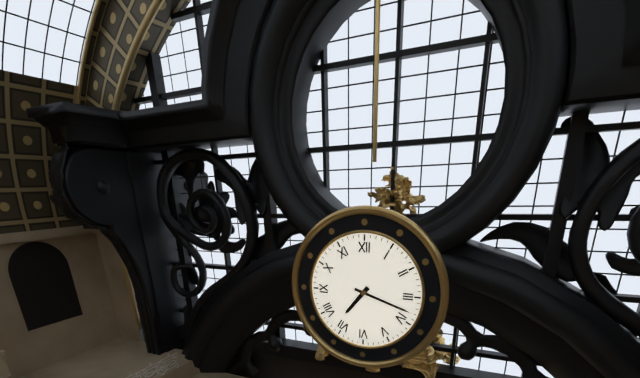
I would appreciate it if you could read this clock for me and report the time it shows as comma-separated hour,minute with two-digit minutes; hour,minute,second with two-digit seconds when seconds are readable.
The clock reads 7,18
